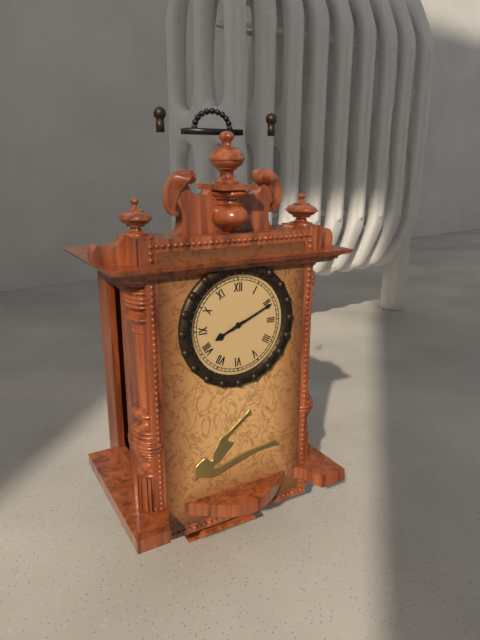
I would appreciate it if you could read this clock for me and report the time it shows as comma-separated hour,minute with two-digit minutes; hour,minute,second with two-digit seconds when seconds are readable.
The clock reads 8,11
